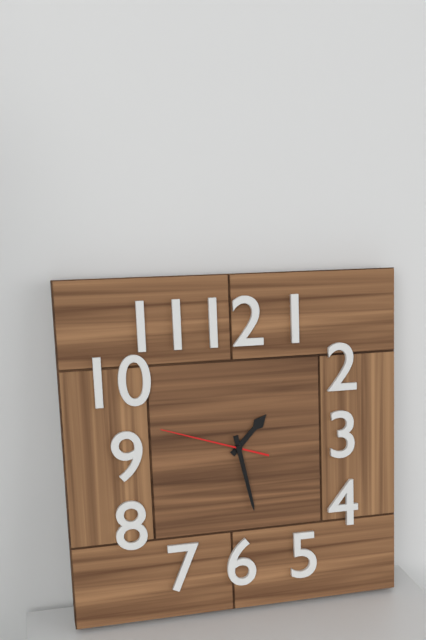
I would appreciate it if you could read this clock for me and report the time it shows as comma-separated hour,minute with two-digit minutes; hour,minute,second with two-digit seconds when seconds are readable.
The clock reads 1,28,48
